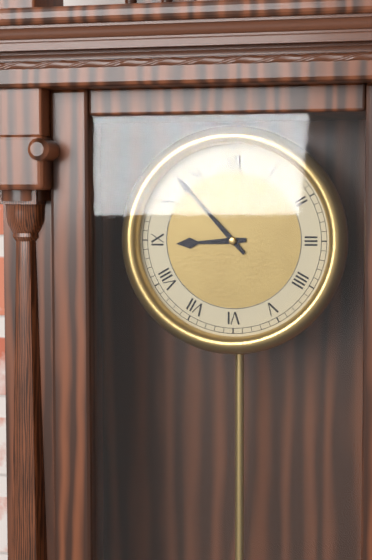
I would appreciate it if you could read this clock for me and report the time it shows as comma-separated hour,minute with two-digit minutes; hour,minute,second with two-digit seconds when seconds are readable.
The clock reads 8,53
